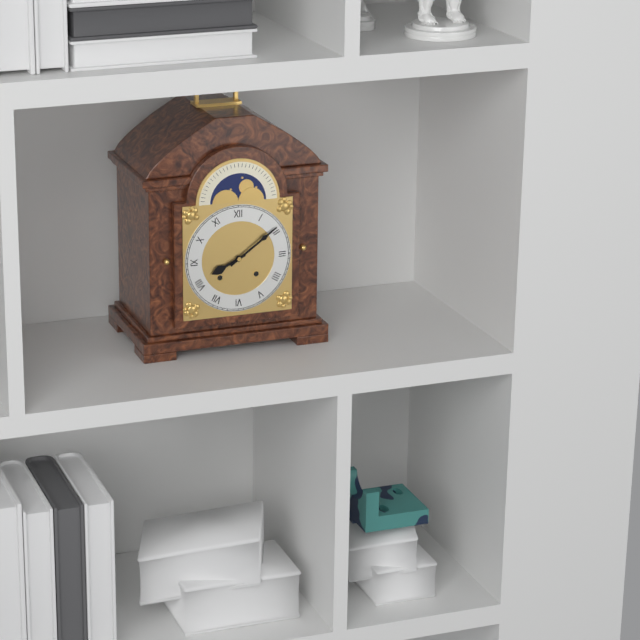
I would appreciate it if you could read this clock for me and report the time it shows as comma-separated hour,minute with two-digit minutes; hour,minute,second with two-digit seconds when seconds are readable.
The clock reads 8,09
